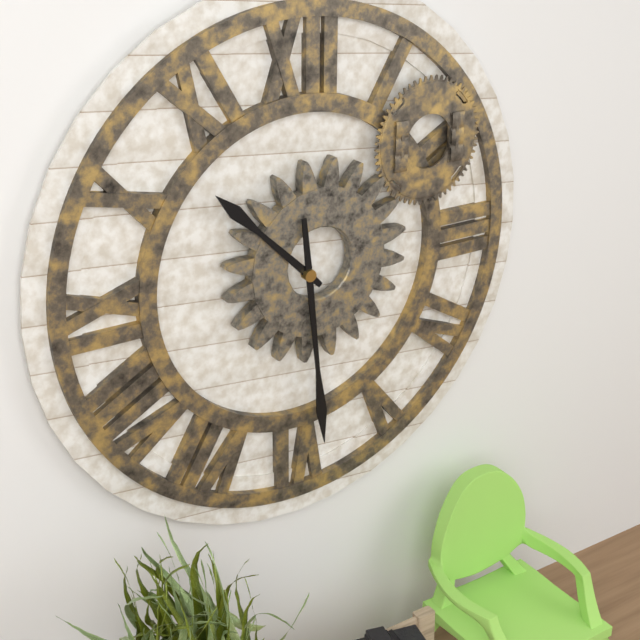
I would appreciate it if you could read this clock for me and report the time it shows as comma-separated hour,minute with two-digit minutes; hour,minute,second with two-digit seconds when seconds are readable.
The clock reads 10,29
